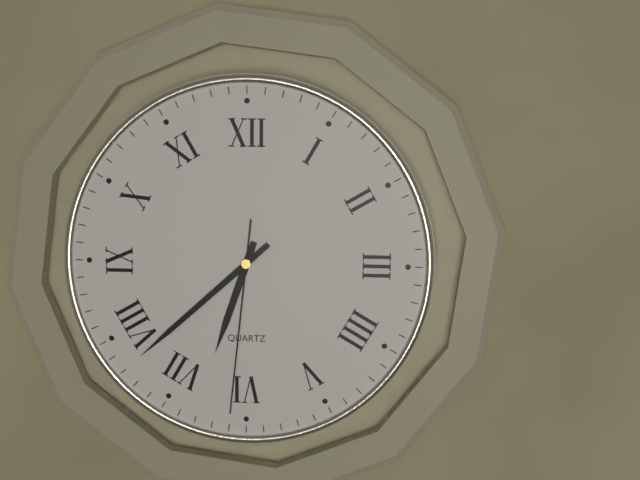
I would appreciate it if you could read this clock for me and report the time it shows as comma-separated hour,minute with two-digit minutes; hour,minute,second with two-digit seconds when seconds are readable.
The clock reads 6,38,31
